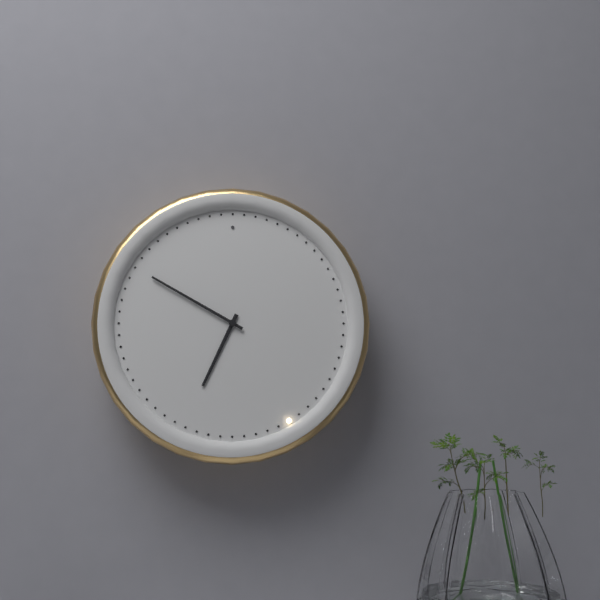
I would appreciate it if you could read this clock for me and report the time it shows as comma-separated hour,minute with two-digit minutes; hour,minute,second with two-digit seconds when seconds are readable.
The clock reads 6,50
